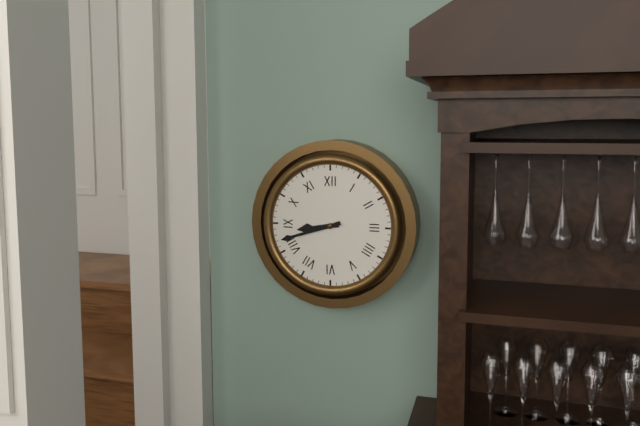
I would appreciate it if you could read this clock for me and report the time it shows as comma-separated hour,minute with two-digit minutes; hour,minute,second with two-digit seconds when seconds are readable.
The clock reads 8,42
